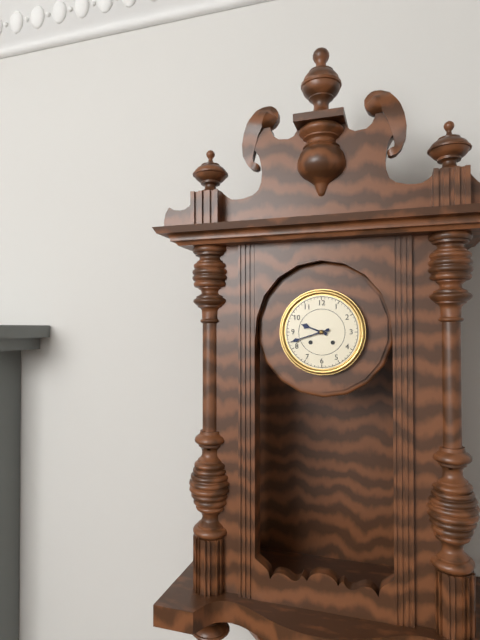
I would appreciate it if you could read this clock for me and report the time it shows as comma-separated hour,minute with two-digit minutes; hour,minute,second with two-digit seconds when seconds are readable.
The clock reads 9,42
